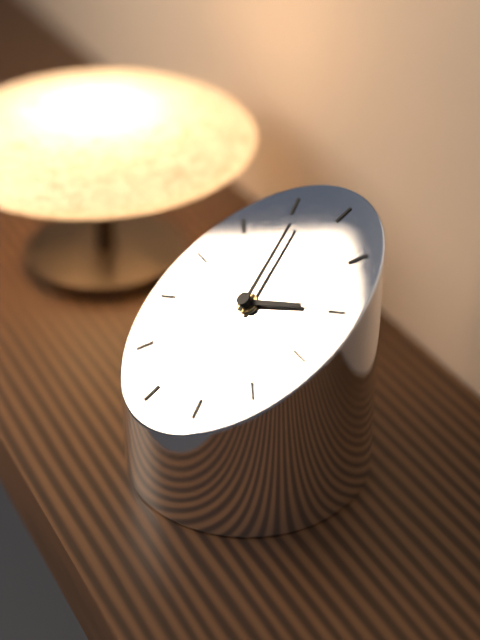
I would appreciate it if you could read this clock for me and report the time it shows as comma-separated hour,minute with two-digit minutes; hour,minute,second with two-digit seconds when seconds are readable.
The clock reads 1,56
